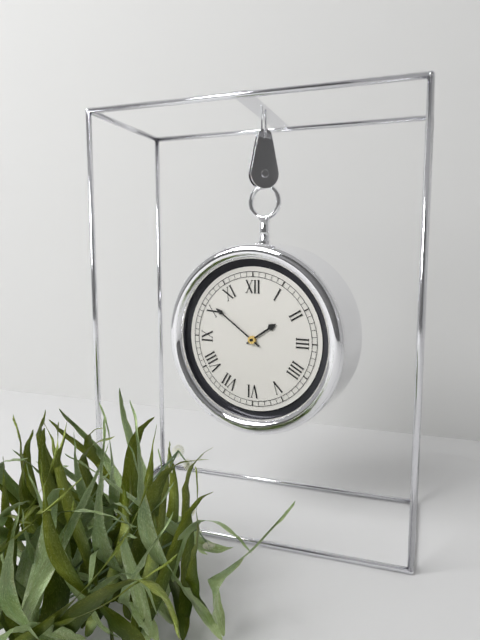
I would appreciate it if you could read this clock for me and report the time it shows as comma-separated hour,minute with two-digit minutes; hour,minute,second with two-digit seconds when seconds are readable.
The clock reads 1,51
